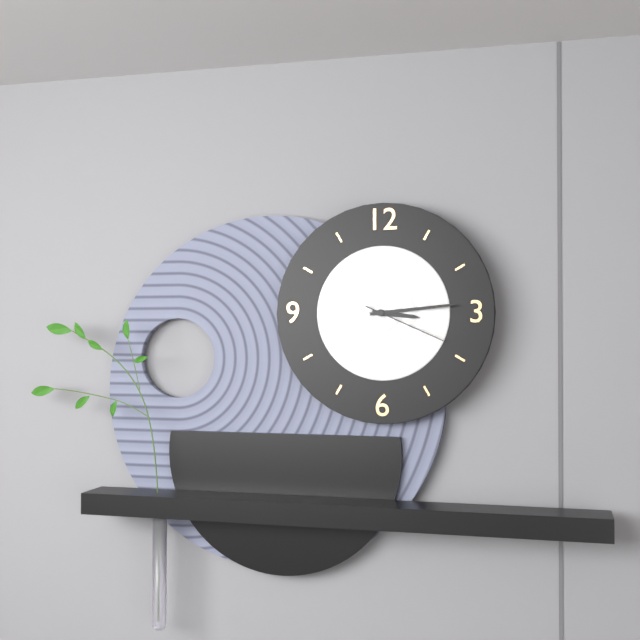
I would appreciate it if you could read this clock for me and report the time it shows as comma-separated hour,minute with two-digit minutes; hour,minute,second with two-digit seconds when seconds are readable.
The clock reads 3,14,19
